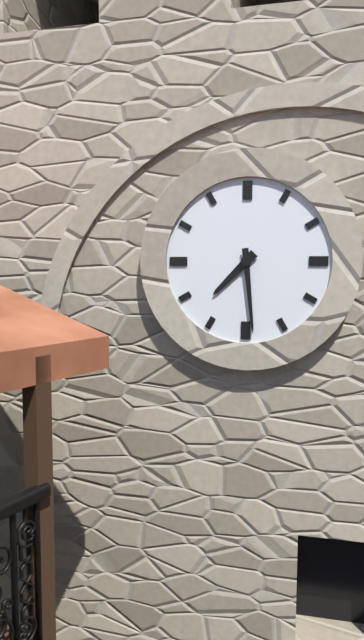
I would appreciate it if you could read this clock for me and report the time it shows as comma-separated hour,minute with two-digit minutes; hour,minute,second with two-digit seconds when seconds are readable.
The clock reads 7,29
